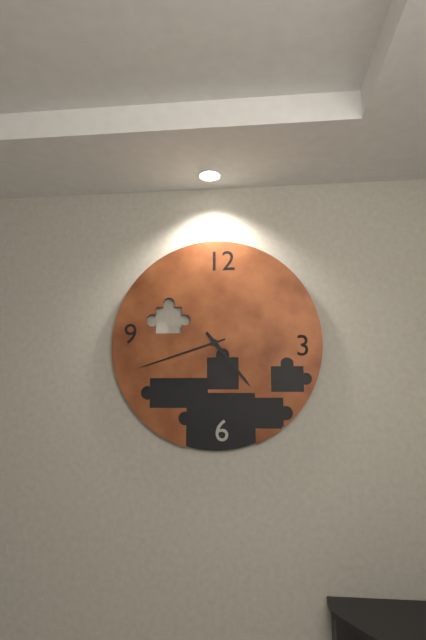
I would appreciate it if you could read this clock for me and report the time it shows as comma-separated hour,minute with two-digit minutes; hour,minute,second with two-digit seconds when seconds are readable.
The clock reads 4,42
